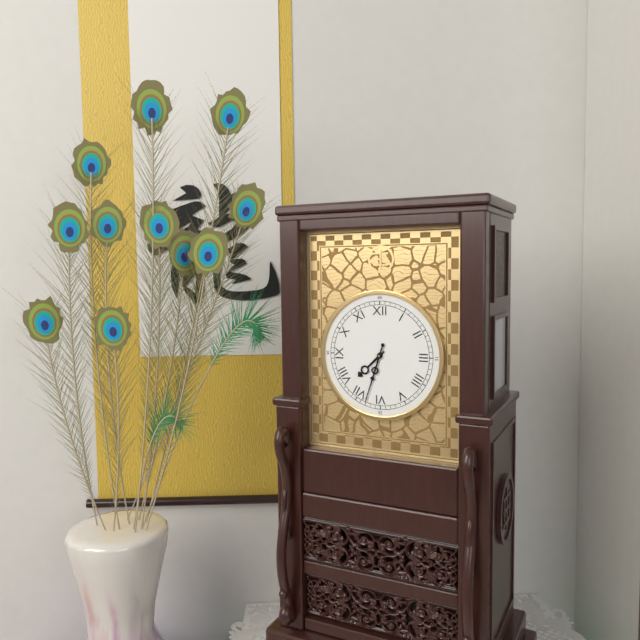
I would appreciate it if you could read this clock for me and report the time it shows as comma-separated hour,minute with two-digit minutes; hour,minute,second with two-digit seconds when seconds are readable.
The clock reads 7,33
